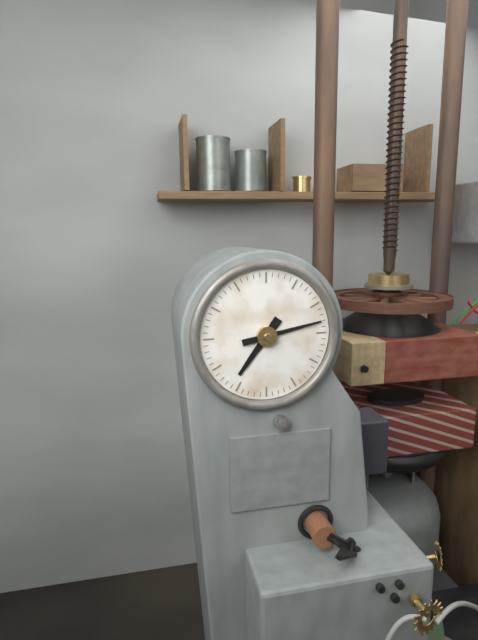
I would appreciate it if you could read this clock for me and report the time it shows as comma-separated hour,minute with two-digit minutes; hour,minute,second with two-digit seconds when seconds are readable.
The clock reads 7,13
